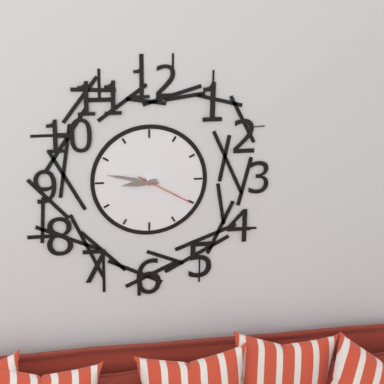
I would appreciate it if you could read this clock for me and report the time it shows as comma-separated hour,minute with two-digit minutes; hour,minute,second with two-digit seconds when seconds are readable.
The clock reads 8,47,20
